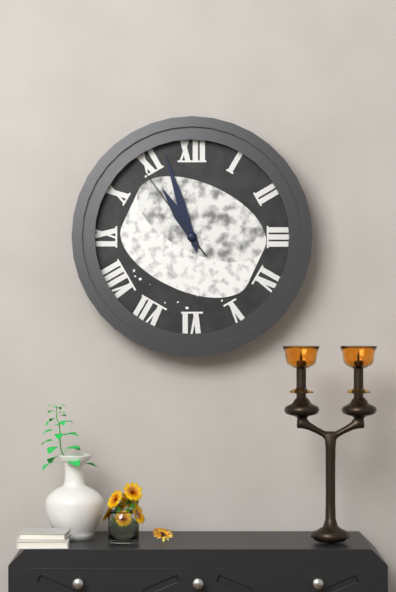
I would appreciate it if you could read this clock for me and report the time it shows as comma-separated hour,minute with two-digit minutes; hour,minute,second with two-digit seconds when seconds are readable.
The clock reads 10,57,54
